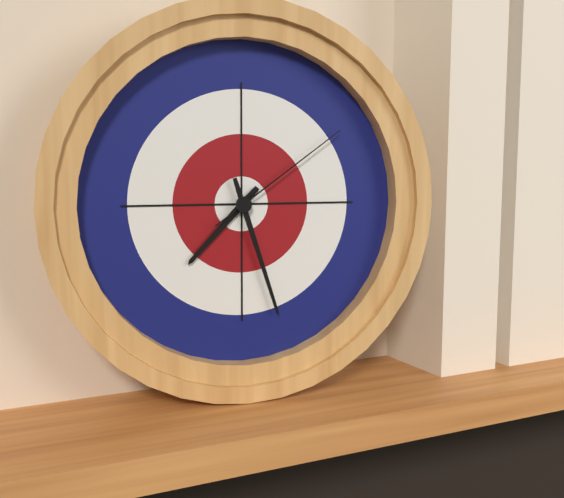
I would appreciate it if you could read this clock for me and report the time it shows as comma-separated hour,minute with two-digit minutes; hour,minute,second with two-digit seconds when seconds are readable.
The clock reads 7,27,09
